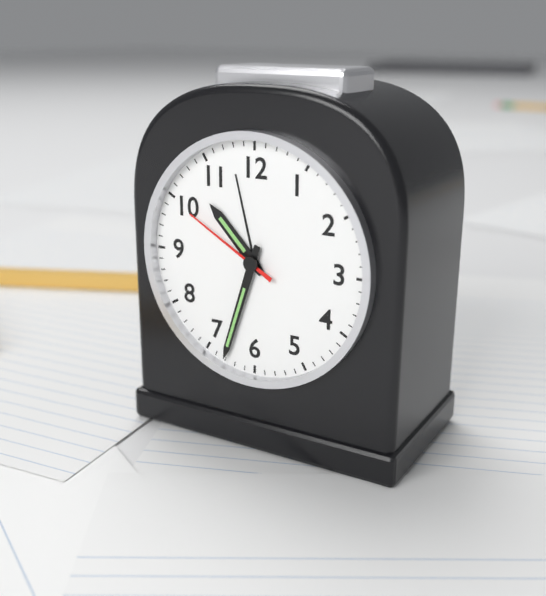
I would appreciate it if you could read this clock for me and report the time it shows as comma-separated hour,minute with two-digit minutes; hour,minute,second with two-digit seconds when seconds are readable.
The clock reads 10,33,50
